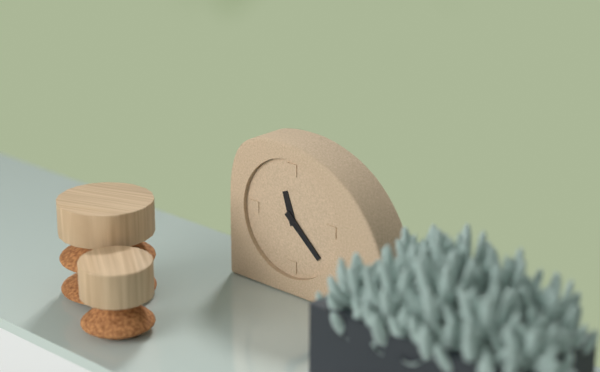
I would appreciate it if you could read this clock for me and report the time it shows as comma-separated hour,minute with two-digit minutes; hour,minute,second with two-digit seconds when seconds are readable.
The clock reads 11,22
